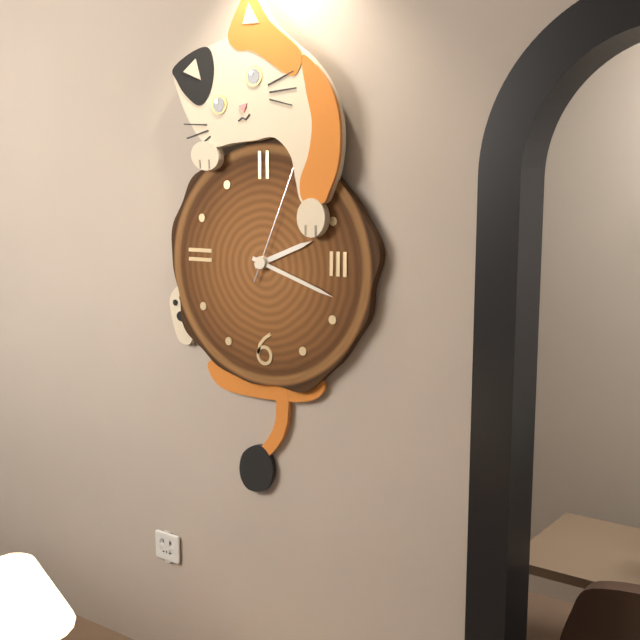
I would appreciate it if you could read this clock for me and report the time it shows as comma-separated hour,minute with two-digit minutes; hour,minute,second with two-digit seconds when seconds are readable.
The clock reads 2,18,04
